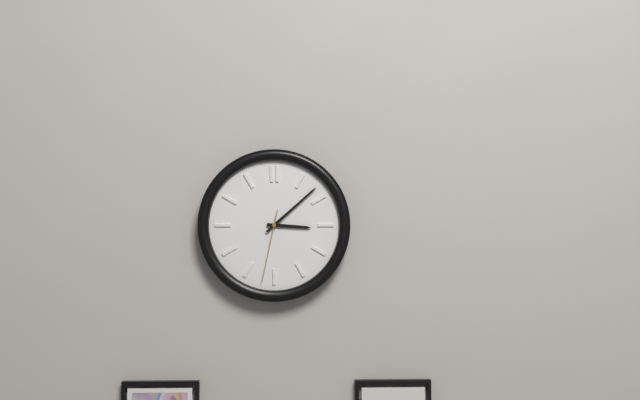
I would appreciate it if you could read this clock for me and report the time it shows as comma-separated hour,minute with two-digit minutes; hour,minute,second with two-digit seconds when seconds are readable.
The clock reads 3,08,32
